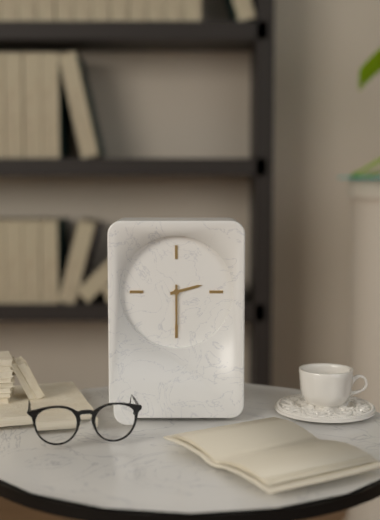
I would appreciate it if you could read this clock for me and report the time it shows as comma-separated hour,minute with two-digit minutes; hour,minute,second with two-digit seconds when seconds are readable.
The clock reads 2,30
